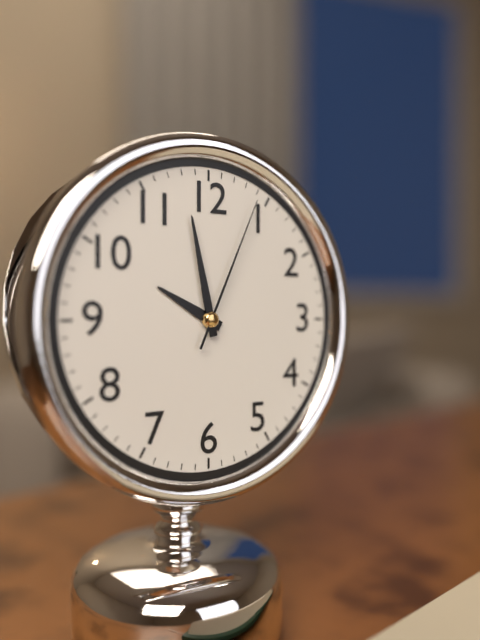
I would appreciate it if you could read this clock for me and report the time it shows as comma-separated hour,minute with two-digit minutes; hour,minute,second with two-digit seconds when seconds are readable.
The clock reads 9,58,04
